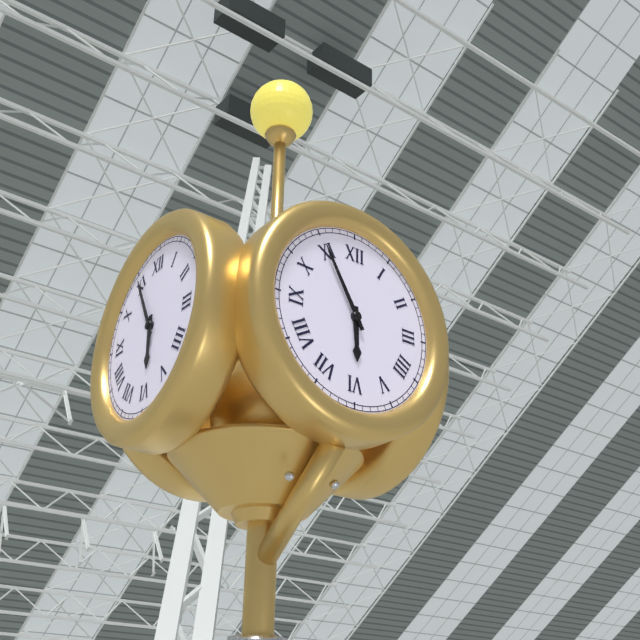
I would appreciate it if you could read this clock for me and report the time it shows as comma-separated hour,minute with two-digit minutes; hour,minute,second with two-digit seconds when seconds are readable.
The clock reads 5,55
